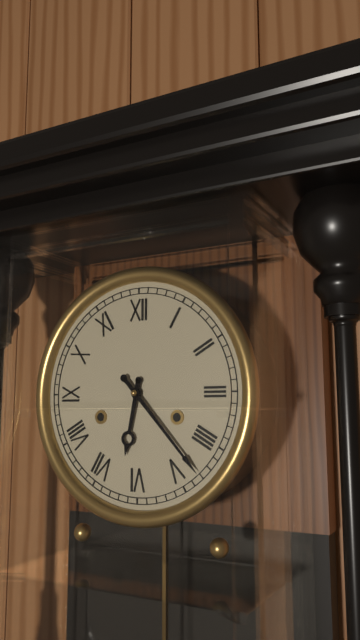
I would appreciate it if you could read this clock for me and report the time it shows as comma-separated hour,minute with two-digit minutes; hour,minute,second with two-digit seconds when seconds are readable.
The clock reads 6,23
